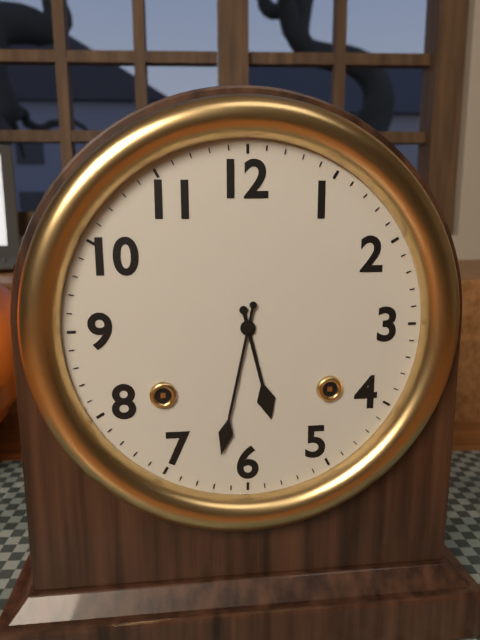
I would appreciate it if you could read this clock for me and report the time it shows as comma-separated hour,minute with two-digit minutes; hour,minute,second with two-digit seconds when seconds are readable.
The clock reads 5,32
